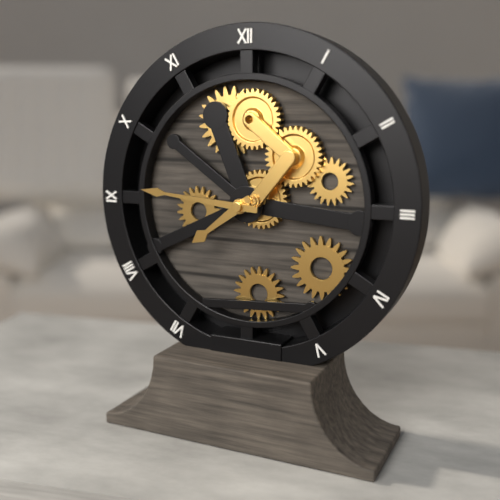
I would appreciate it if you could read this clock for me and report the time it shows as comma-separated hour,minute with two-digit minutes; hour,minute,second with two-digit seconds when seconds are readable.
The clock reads 7,46
